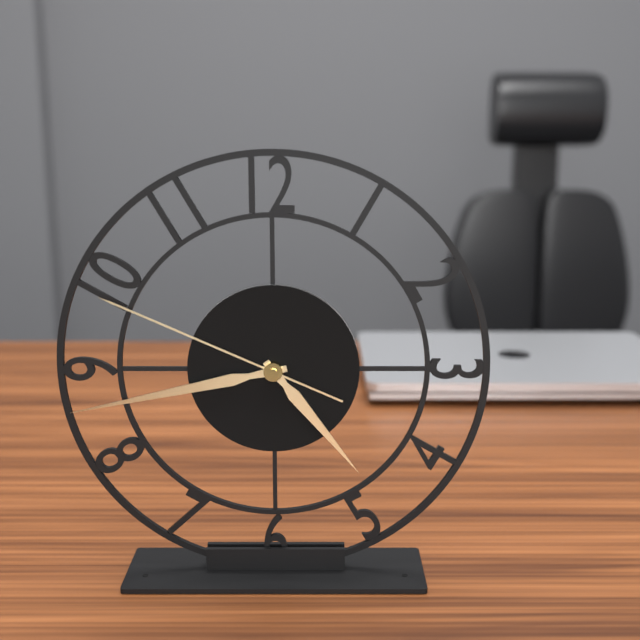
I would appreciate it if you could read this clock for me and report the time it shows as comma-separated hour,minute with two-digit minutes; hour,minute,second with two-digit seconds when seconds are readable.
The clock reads 4,43,49
